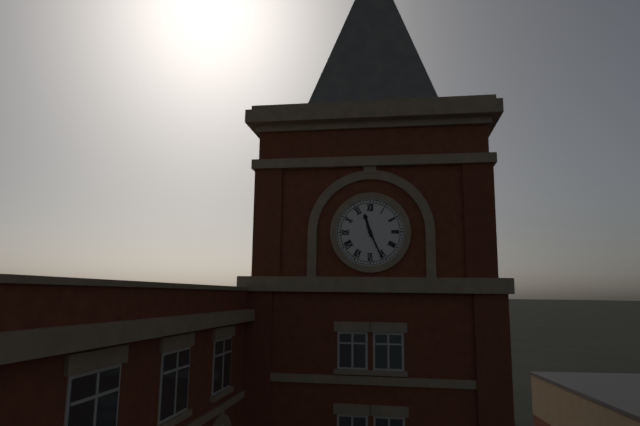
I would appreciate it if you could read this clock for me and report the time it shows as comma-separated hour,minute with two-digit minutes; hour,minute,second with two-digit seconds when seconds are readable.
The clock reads 11,26
